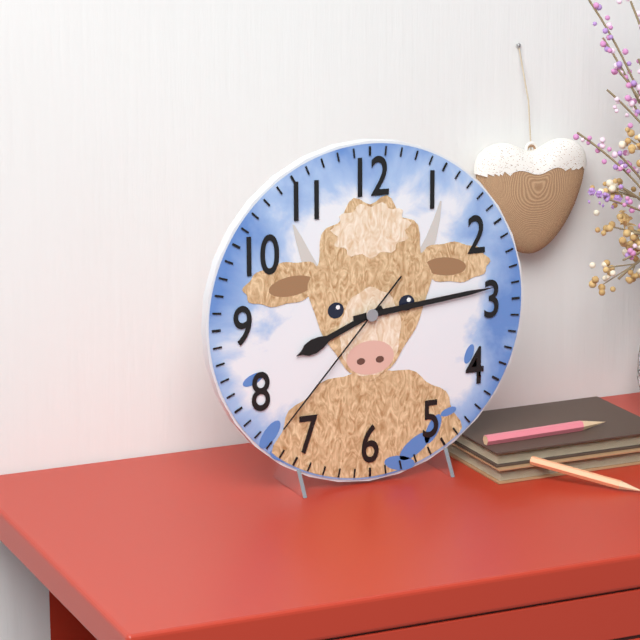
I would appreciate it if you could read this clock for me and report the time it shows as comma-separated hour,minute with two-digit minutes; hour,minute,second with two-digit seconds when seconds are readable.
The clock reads 8,14,37
